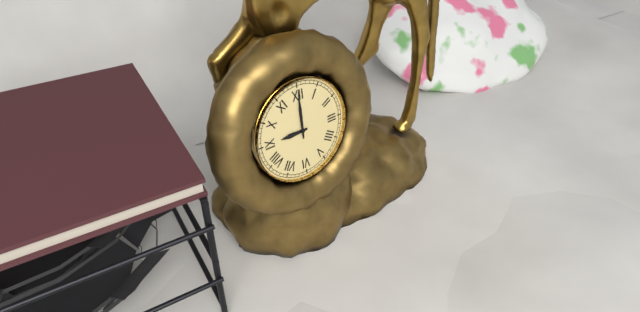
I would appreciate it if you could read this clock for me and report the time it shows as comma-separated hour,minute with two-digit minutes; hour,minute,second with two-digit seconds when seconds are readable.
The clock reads 9,00
